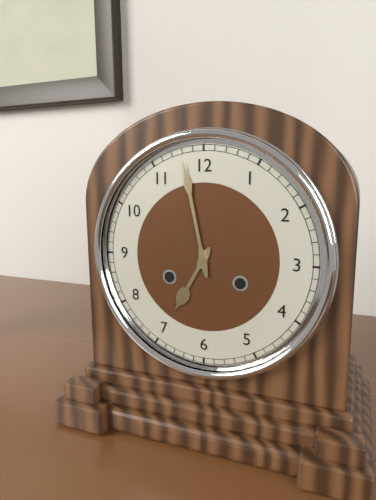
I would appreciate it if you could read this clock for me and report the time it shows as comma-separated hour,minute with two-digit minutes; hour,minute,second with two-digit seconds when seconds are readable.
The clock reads 6,58
